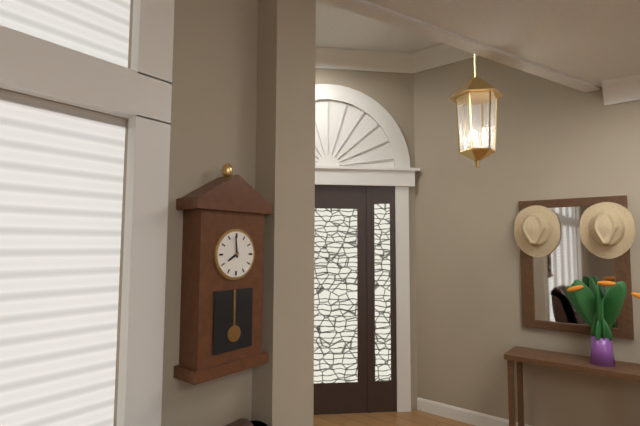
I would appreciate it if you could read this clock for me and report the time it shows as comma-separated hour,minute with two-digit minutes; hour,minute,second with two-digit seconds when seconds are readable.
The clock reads 7,59
